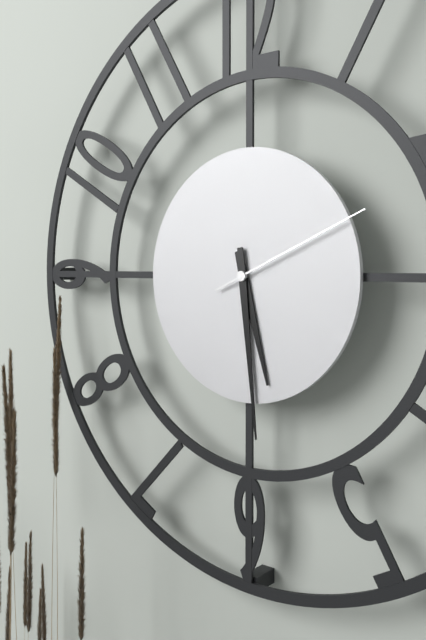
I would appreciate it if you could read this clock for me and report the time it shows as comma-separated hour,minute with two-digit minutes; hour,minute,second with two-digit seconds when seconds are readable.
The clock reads 5,29,11
